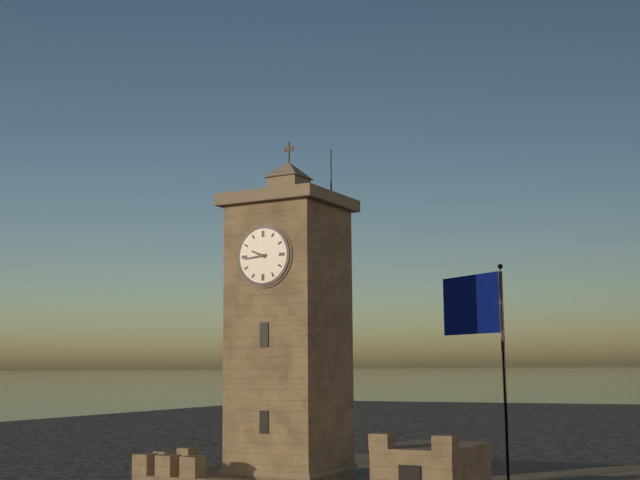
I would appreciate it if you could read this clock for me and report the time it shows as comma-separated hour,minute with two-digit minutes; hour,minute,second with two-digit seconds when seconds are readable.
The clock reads 9,44
